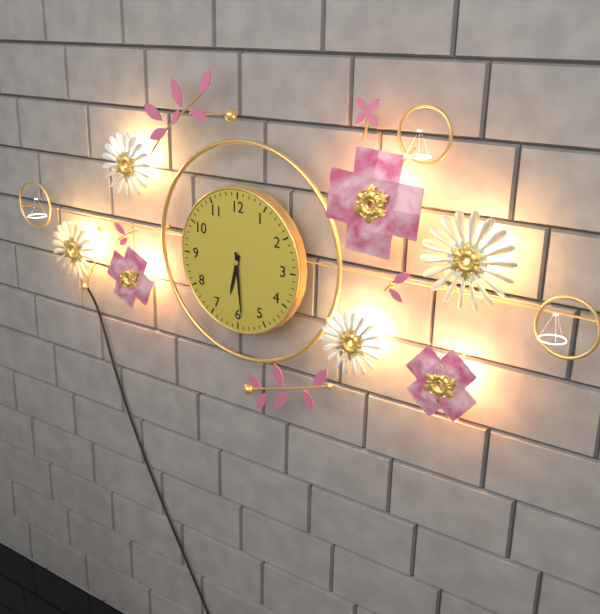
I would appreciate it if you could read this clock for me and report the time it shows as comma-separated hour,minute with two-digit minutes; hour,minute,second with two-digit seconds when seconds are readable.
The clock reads 6,29
